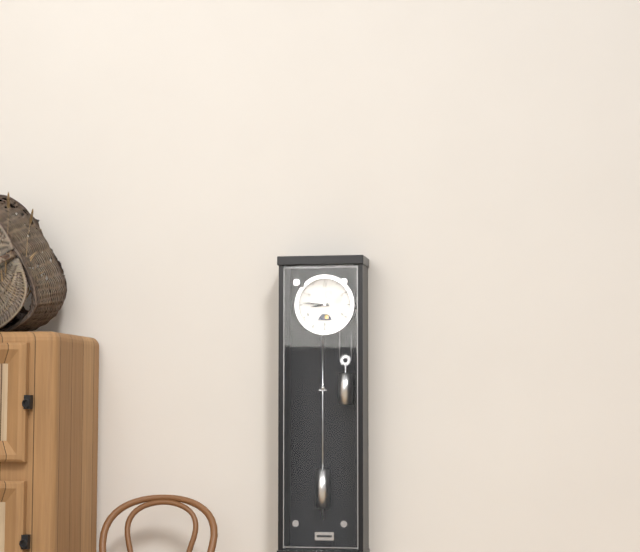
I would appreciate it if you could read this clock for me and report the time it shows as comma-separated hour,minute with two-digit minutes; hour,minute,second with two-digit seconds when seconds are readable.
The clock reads 8,46
